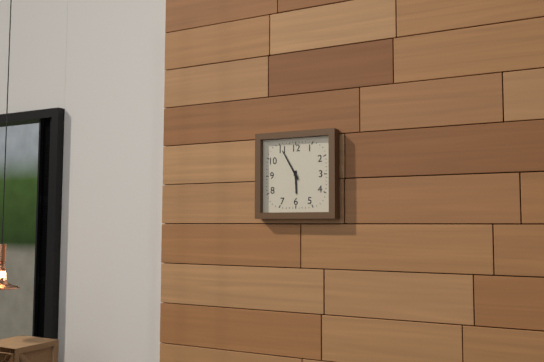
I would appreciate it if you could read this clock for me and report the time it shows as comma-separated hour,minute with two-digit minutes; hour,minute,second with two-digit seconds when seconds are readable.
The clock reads 5,55
